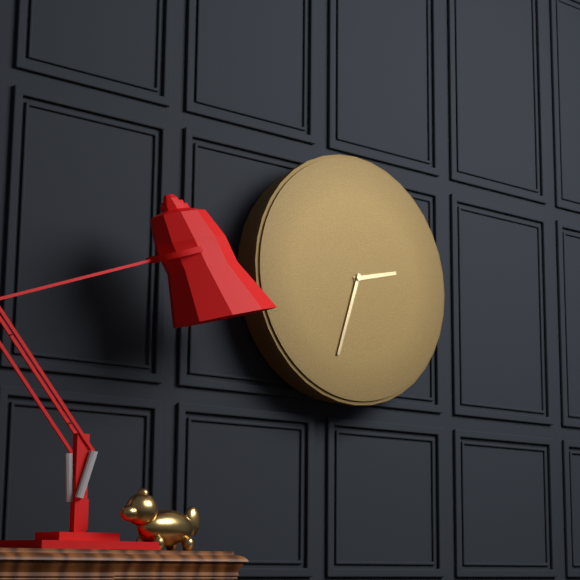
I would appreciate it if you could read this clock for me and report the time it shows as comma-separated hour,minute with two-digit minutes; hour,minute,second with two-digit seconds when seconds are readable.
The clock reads 2,33
